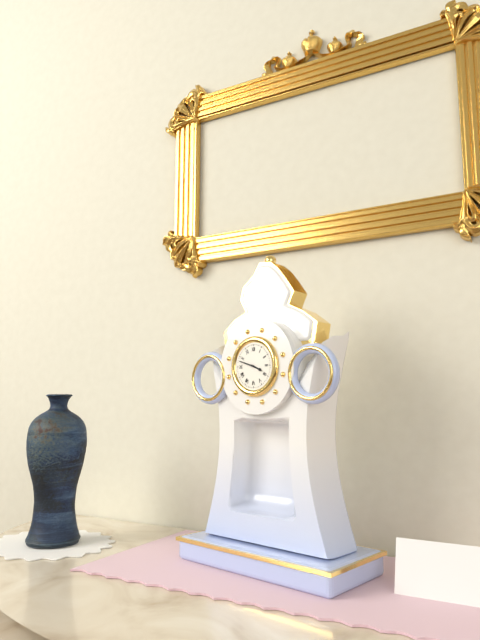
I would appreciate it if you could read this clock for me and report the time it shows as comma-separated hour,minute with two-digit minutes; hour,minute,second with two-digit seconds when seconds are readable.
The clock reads 3,48
